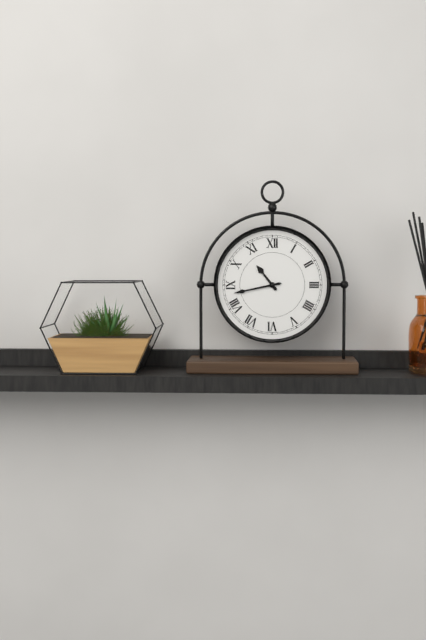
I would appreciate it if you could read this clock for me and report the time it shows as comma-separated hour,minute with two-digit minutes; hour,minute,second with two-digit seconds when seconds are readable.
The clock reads 10,43
